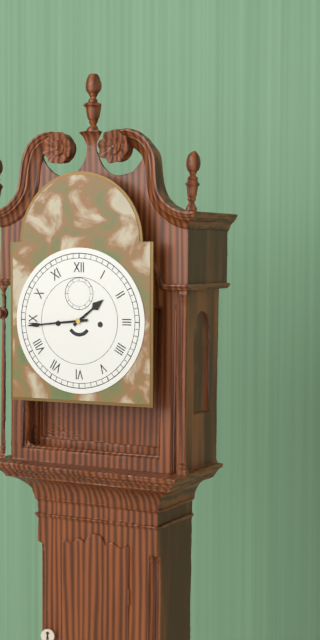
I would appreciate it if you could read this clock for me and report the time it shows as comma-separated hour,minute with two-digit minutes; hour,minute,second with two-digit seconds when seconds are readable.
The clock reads 1,44
